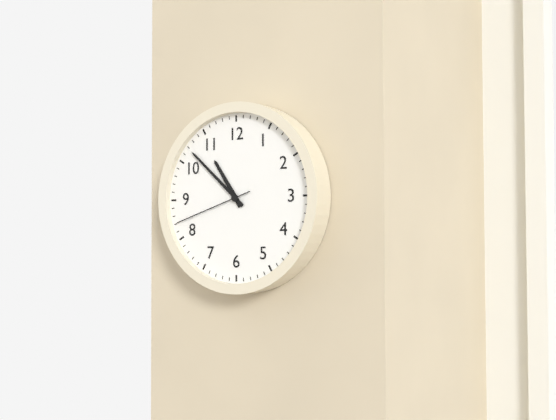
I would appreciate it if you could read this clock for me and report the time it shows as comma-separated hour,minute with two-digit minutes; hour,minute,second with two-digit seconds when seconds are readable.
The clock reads 10,52,42
